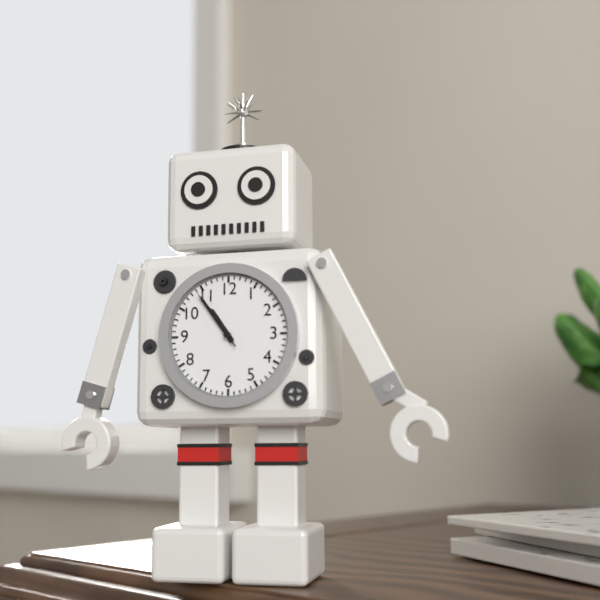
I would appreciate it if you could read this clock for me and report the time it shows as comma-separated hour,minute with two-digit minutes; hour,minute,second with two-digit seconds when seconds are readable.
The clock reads 10,54,54
